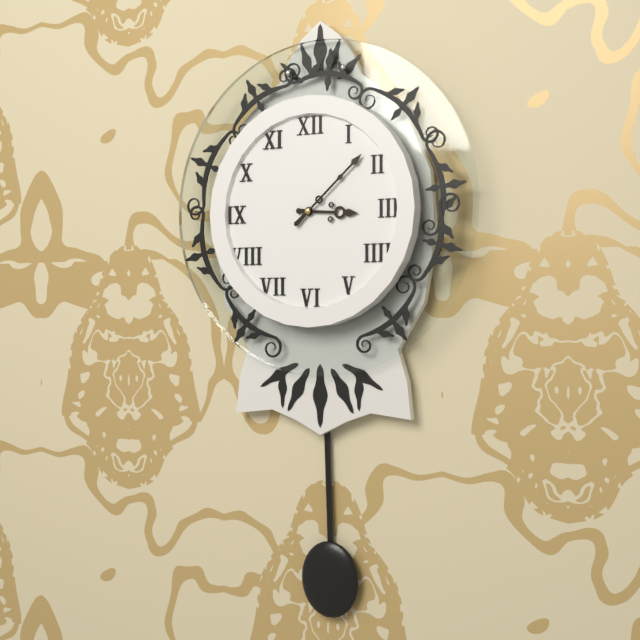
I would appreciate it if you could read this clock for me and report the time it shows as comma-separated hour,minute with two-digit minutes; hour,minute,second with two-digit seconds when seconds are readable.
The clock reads 3,08
